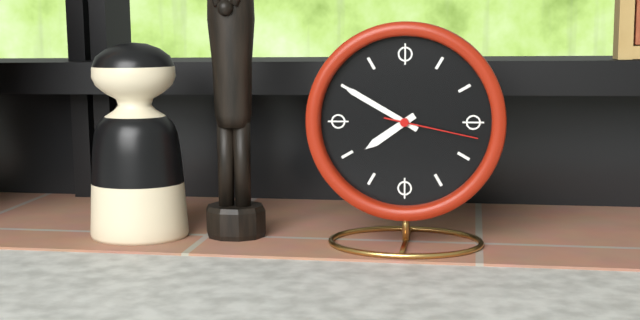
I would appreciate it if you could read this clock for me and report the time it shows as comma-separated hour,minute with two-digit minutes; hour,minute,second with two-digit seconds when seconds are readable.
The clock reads 7,50,17
